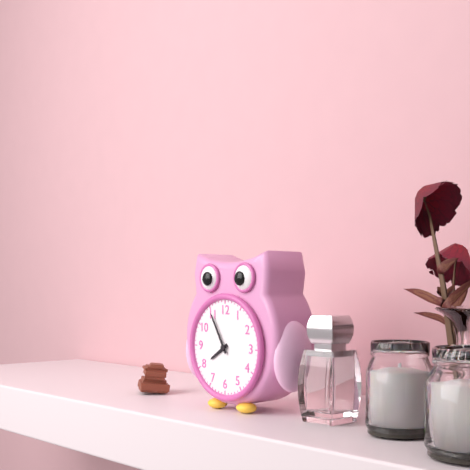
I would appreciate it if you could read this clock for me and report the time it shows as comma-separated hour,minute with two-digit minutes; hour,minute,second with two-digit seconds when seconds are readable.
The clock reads 7,55
